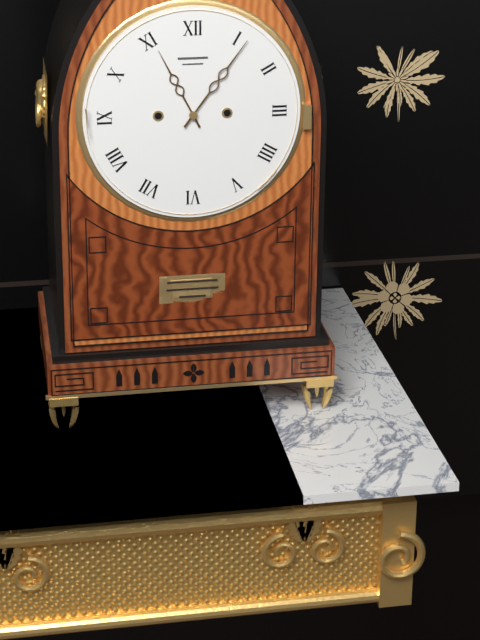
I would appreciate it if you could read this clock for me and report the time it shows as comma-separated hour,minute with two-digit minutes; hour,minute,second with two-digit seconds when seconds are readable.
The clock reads 11,06
